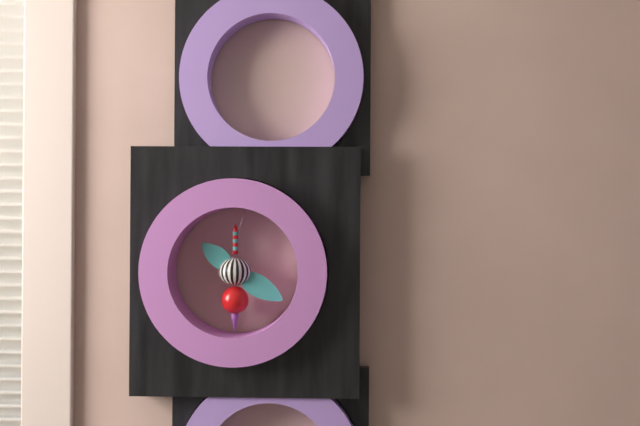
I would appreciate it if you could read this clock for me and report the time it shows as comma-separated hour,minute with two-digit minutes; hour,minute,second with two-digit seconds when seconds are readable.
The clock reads 10,20
